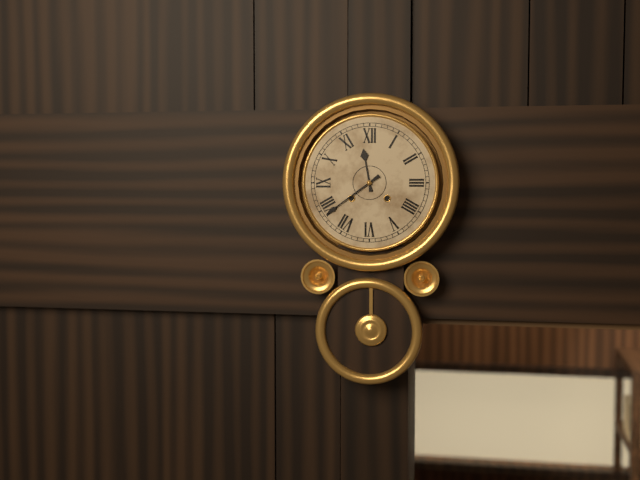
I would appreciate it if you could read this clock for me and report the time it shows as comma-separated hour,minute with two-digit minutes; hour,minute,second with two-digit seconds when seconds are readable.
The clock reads 11,39
